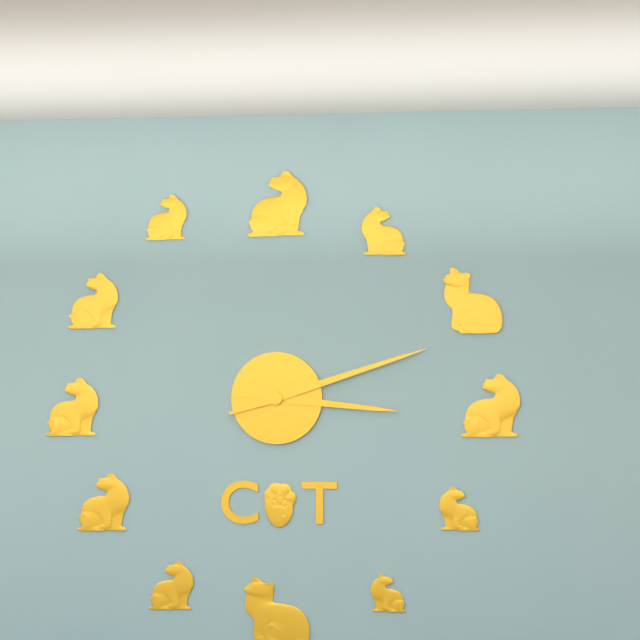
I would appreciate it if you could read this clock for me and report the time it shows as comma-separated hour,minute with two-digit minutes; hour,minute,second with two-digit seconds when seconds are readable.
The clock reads 3,12
